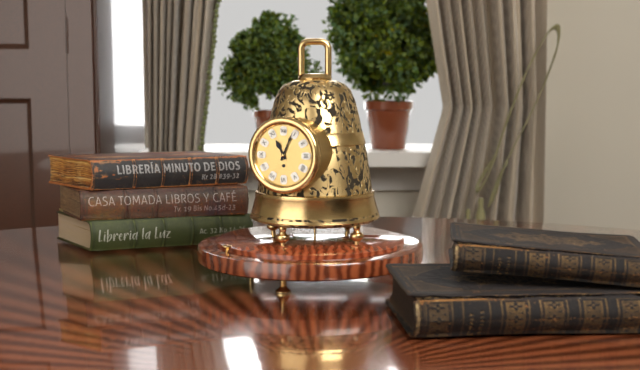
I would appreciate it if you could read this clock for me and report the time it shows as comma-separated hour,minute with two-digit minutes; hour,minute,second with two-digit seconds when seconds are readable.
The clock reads 11,04
